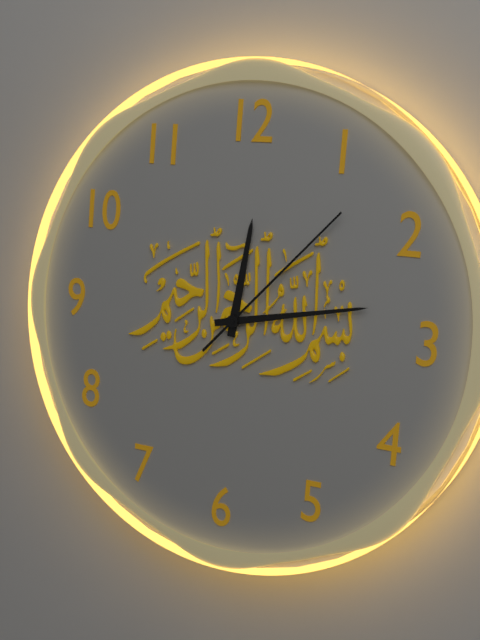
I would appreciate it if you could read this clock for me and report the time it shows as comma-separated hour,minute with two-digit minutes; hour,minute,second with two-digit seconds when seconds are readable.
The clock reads 12,13,07
